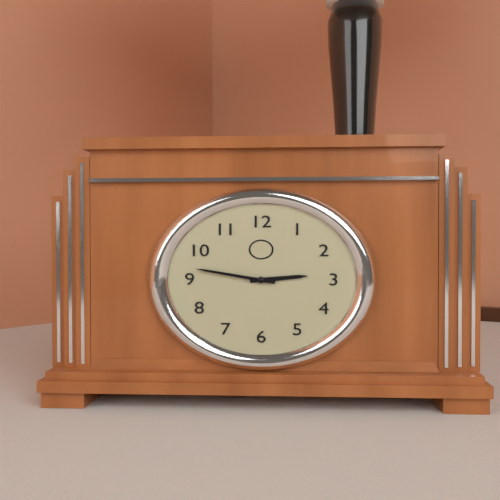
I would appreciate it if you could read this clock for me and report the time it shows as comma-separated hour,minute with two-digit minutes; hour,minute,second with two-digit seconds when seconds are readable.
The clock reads 2,47
